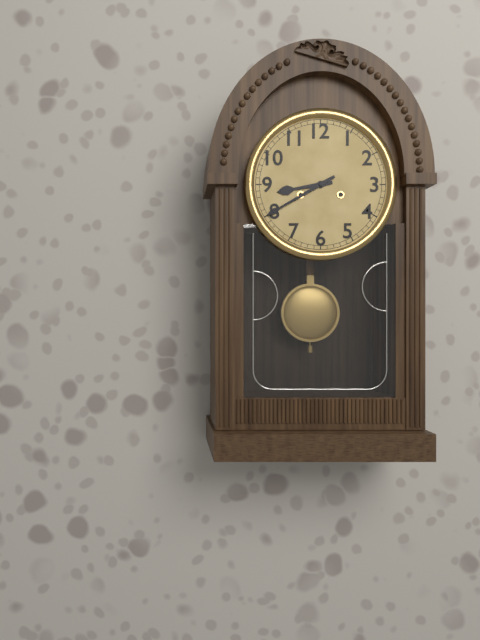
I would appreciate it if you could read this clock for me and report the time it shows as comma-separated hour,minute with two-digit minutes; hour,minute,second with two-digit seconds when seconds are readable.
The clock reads 8,40
